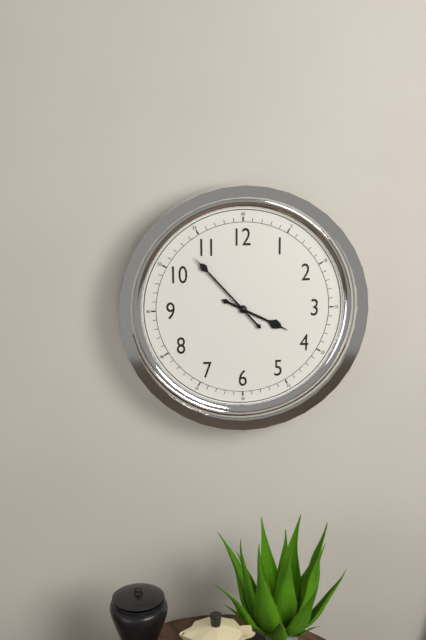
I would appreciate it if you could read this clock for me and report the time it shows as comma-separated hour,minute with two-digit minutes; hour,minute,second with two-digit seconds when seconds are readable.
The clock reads 3,53
